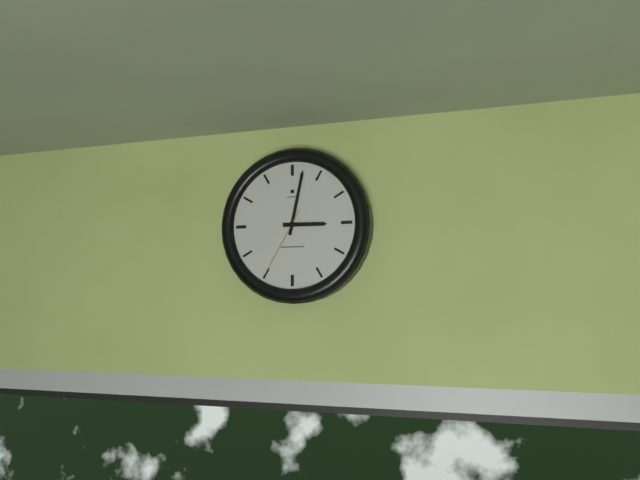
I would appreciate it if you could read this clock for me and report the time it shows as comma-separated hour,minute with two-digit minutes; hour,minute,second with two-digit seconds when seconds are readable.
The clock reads 3,02,35
